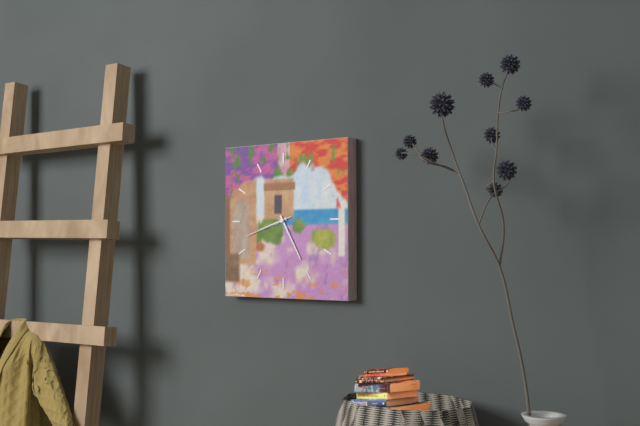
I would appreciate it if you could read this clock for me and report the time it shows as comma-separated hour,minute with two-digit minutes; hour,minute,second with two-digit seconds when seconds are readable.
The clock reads 8,25
